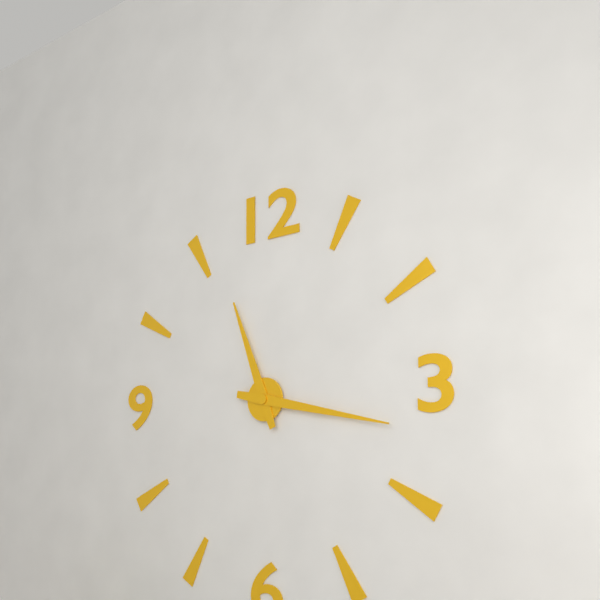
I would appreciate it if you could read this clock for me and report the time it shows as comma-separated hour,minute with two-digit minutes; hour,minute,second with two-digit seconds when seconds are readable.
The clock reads 11,17
